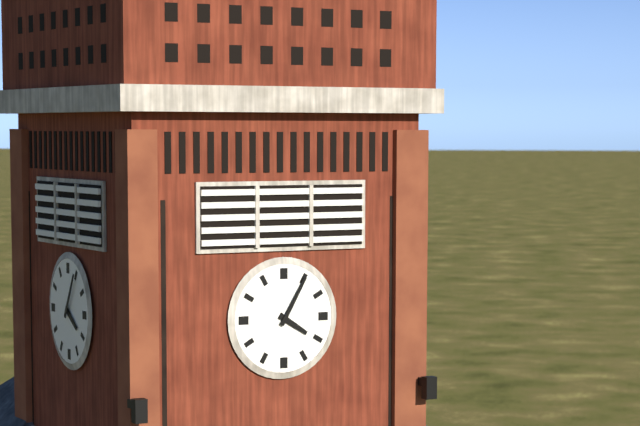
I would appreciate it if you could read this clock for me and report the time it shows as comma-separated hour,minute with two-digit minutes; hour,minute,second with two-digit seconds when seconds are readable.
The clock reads 4,05
